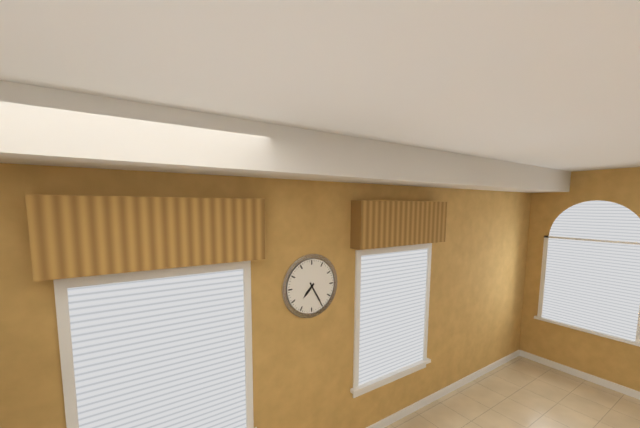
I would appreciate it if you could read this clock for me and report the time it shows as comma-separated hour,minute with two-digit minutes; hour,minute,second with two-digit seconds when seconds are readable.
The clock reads 7,25
